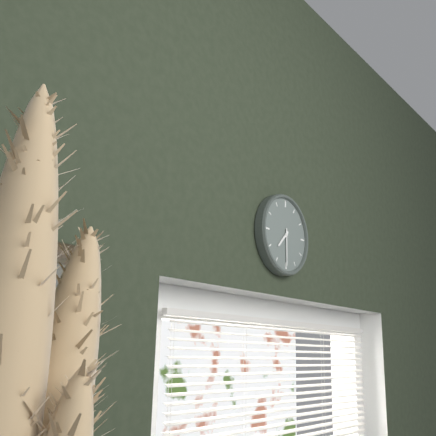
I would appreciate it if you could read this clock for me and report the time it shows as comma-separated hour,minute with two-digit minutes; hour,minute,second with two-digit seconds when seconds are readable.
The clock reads 7,30
